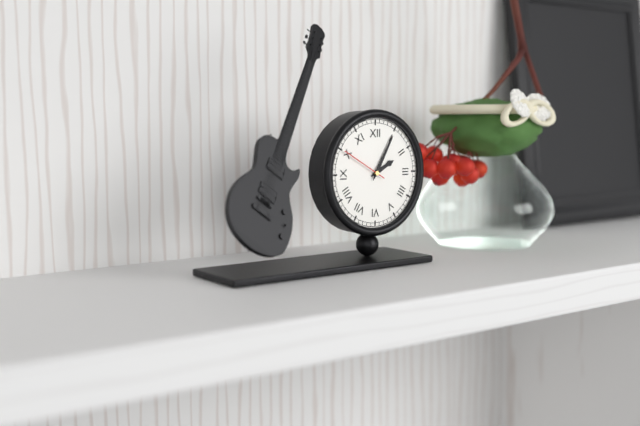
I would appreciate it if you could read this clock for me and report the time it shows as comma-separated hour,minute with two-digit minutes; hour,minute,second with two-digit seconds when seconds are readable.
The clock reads 2,05
